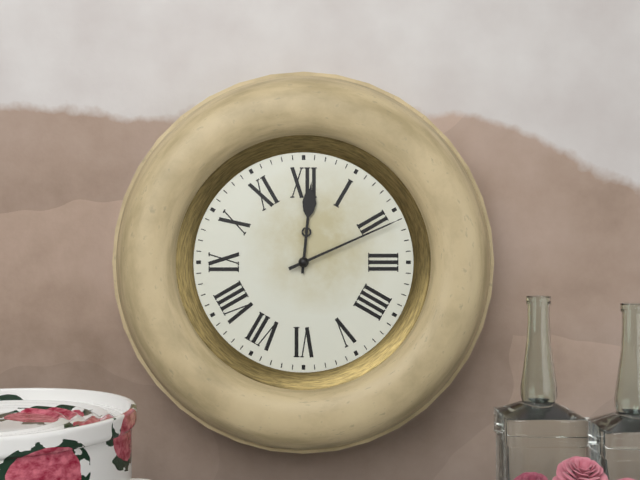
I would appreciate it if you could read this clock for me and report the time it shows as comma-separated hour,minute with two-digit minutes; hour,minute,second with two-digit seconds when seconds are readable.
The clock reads 12,11
